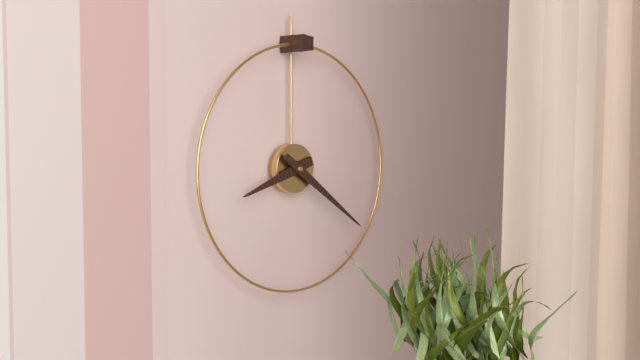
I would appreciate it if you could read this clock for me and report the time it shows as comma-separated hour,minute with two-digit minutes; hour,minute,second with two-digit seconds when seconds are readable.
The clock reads 8,21
